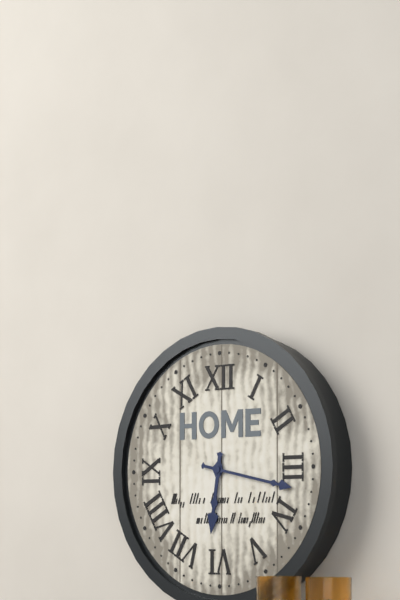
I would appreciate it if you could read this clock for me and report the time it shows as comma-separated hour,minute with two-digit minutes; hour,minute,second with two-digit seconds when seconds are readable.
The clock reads 6,17
